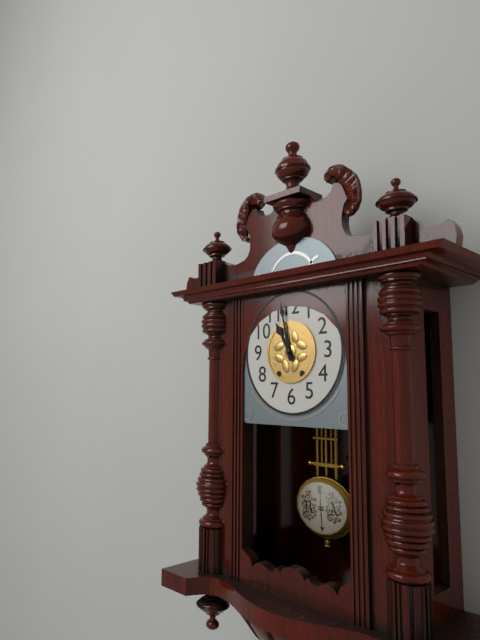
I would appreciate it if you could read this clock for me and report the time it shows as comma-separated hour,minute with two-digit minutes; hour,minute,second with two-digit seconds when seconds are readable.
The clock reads 10,58
